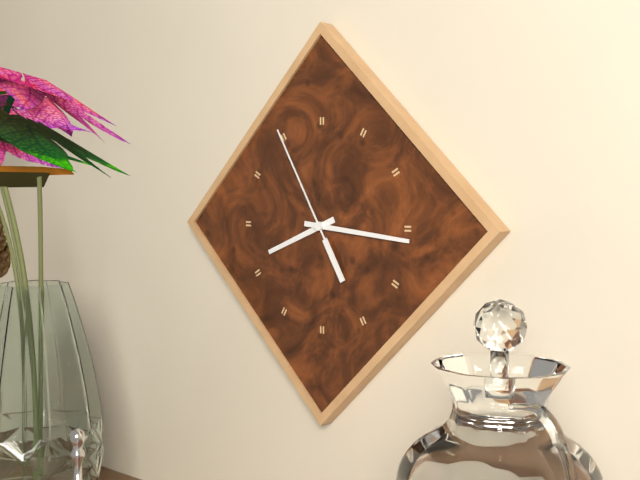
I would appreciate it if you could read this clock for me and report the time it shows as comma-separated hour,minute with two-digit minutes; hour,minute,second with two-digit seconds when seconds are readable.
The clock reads 8,16,55
